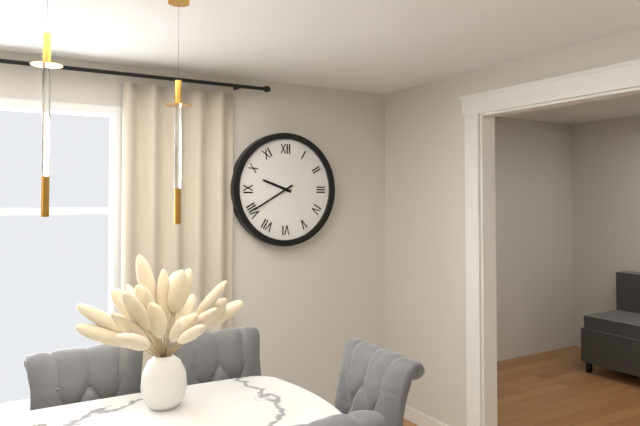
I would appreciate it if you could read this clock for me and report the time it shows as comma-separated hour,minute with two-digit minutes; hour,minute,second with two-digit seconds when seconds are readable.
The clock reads 9,40
